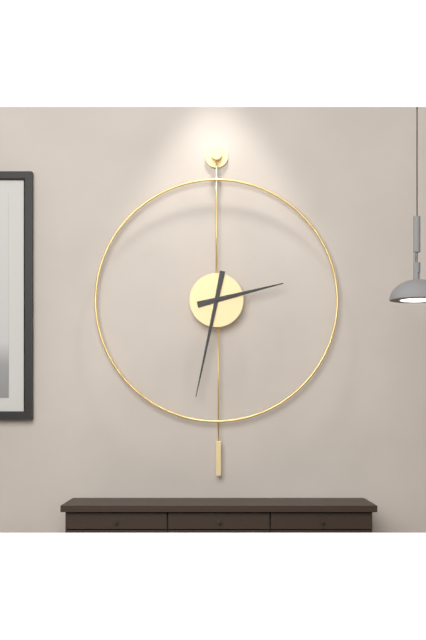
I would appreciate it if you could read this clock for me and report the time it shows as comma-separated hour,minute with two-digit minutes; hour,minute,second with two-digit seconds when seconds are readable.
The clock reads 2,32
